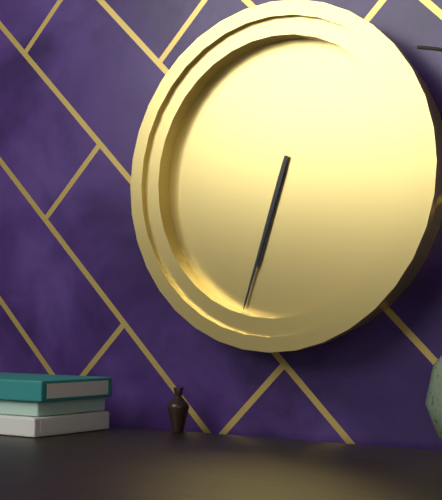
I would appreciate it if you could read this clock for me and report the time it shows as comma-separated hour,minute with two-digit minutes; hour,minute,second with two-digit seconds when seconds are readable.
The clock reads 6,33
